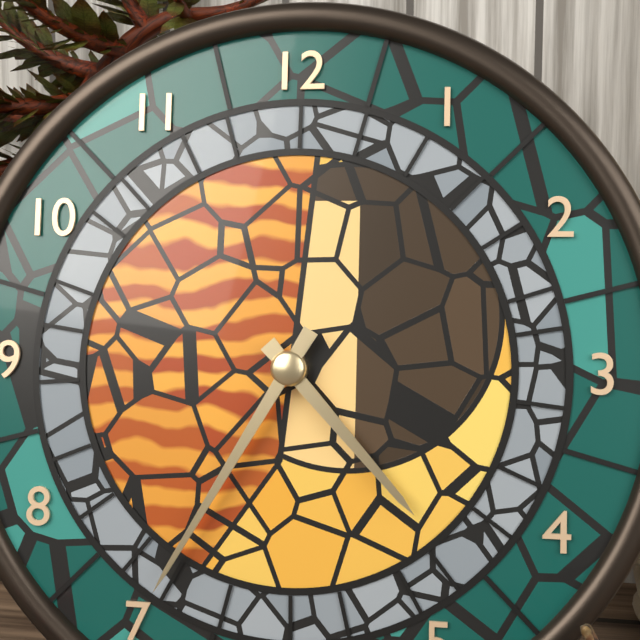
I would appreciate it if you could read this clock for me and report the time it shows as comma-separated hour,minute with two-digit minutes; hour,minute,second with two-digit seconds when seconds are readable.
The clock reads 4,35
